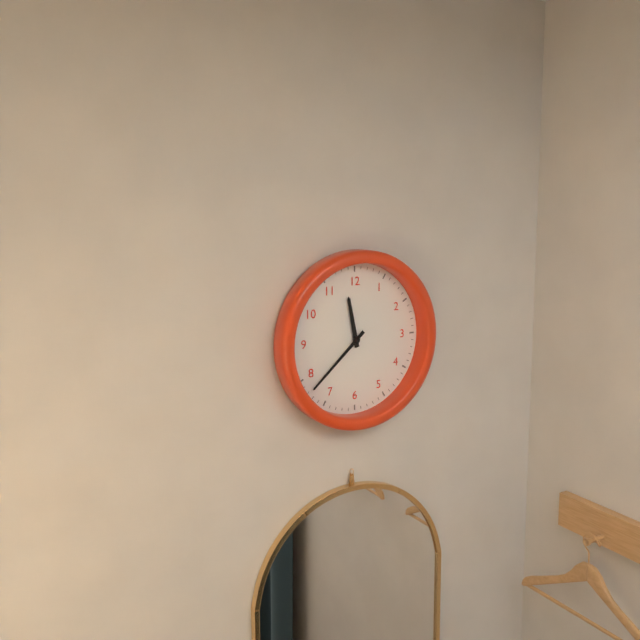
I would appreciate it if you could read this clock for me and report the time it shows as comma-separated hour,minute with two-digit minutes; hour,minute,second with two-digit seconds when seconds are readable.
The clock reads 11,38
